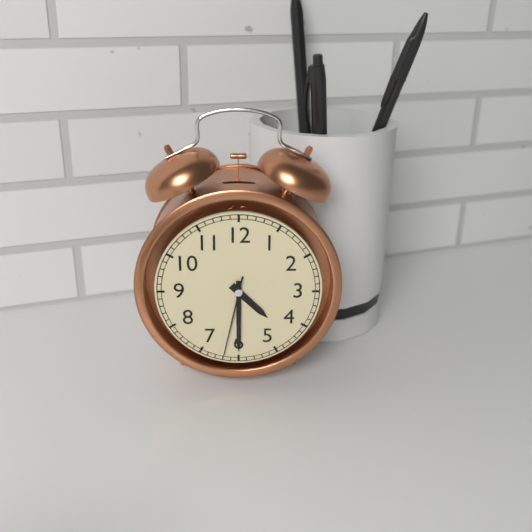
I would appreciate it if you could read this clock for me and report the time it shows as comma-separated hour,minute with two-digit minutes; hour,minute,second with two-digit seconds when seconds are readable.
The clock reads 4,30,32
